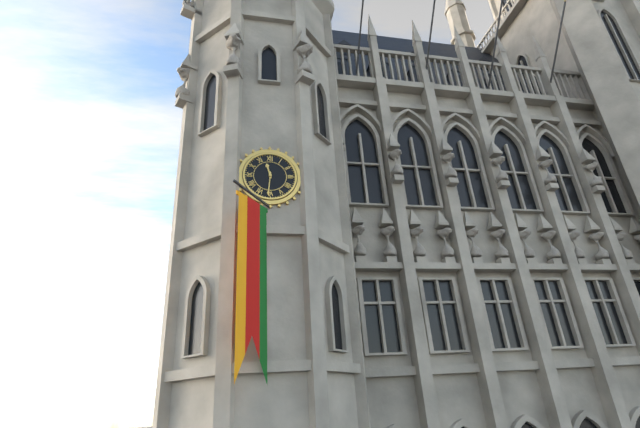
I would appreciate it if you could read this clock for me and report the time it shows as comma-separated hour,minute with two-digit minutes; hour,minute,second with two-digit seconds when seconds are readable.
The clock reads 11,31
